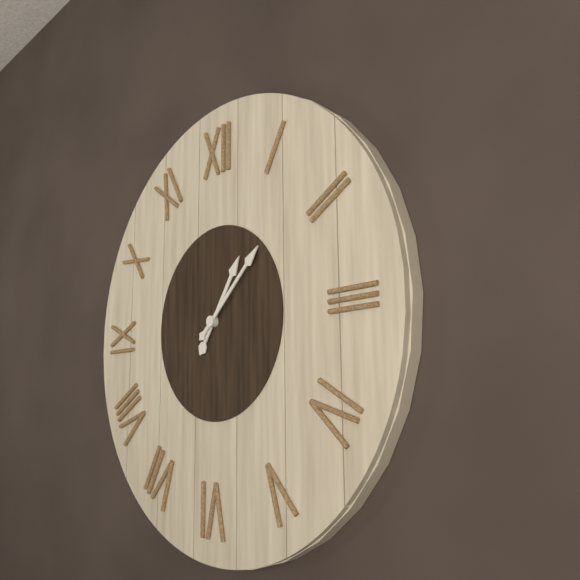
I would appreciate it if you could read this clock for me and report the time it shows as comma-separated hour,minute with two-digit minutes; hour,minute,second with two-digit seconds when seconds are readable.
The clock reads 1,08
